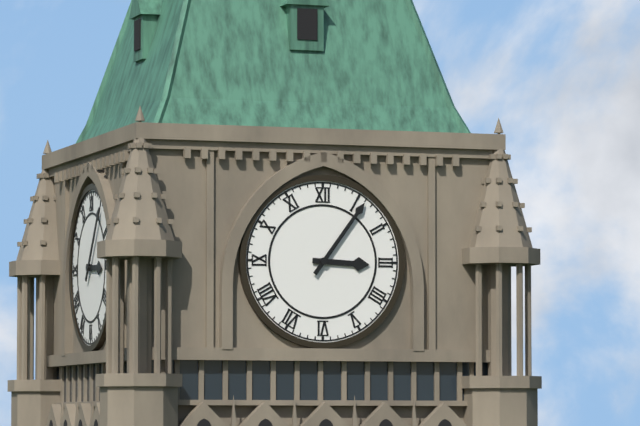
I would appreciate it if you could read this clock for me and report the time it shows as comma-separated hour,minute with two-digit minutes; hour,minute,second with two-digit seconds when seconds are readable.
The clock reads 3,06
